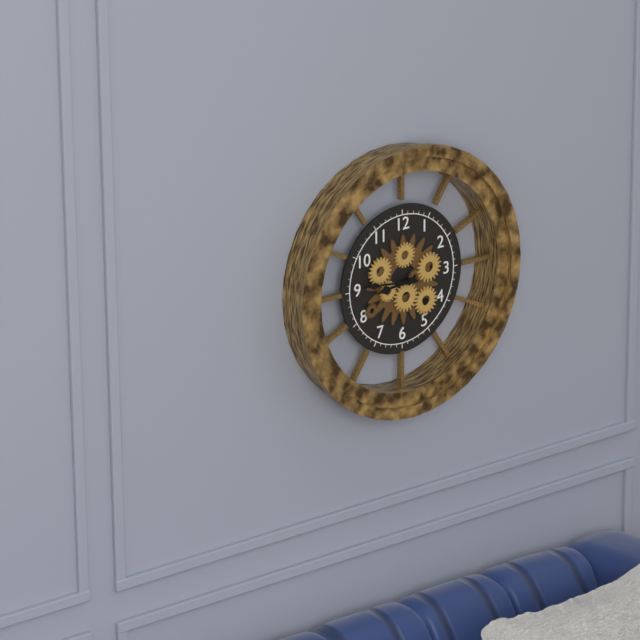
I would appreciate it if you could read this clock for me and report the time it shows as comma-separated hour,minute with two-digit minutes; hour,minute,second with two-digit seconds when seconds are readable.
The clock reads 8,46
